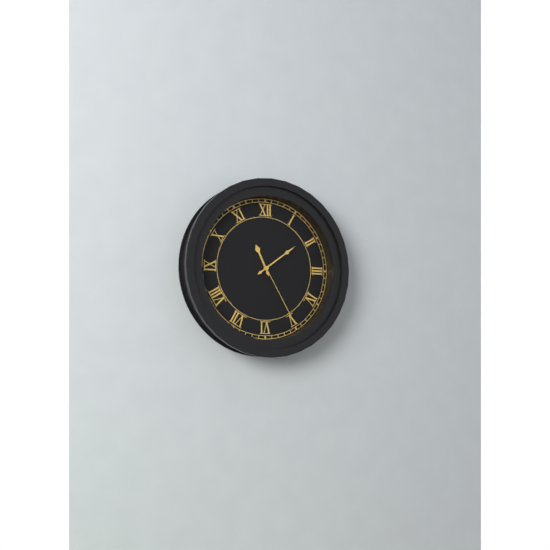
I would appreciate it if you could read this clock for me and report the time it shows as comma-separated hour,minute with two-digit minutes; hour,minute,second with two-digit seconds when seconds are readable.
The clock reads 11,09,25
